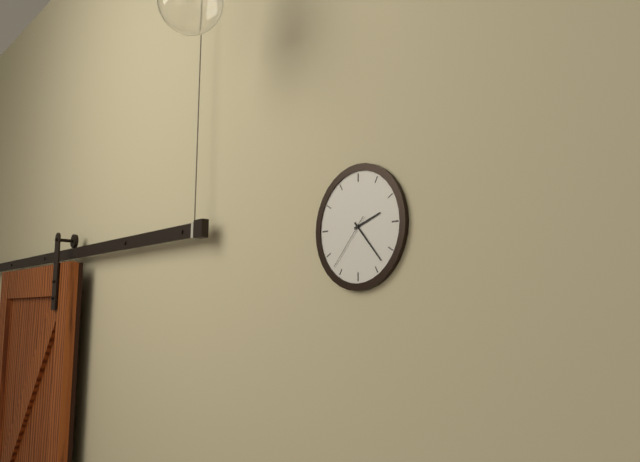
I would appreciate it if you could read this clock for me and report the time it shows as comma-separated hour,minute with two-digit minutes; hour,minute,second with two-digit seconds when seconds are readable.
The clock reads 2,23,37
